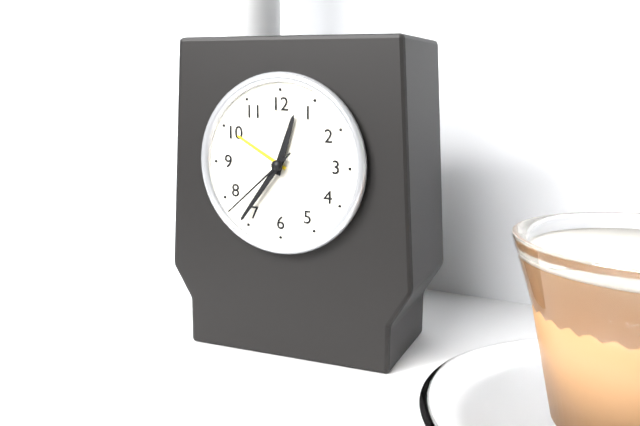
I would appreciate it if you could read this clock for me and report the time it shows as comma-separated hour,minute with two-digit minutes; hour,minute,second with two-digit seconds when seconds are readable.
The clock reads 12,36,38
